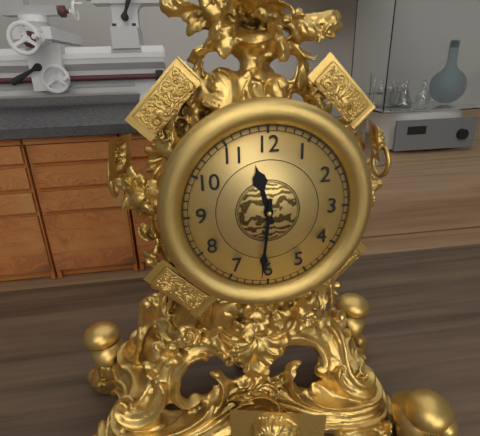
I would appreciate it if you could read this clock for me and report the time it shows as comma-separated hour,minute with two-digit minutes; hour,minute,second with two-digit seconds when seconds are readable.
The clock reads 11,31
